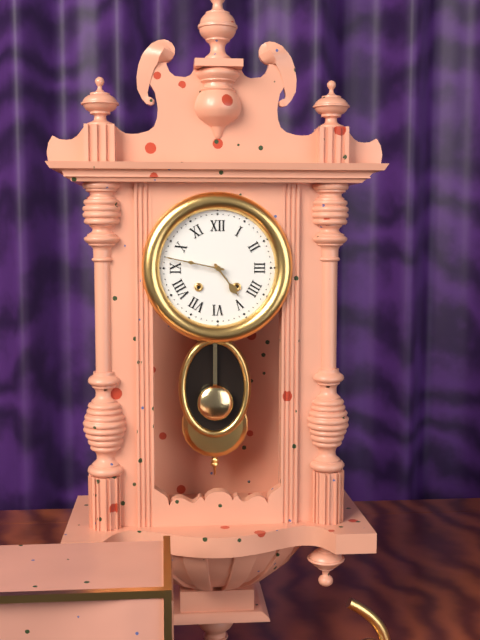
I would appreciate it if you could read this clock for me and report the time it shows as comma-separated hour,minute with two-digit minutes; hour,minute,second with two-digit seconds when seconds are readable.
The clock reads 4,47
